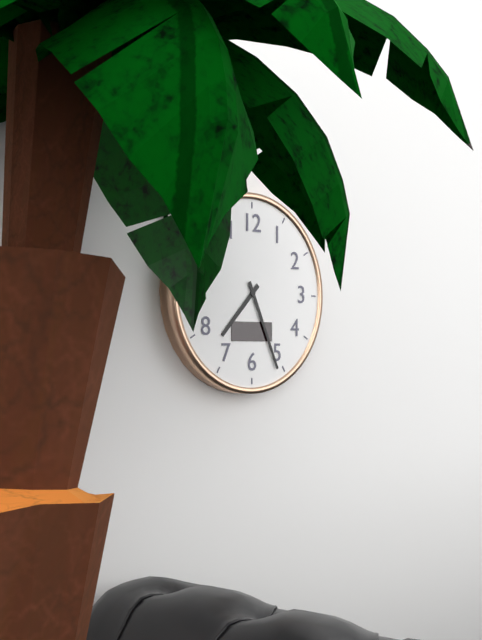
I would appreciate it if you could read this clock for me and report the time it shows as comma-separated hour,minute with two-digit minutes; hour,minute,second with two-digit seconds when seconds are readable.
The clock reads 7,26
